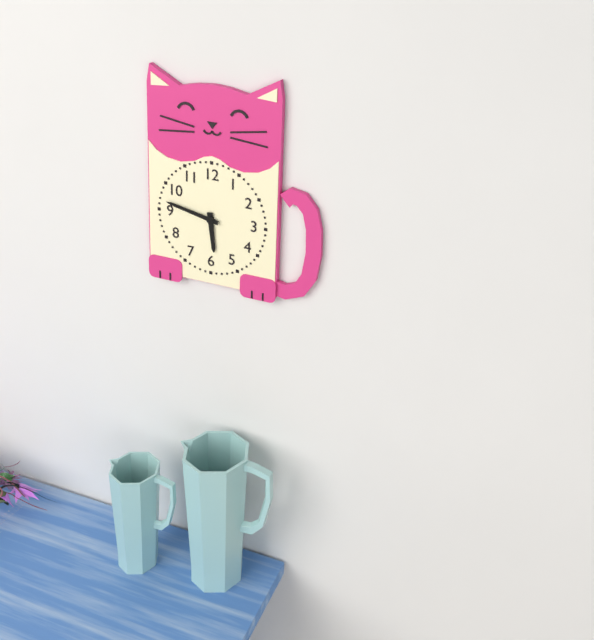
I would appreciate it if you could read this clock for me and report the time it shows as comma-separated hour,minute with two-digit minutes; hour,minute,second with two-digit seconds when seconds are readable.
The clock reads 5,47
